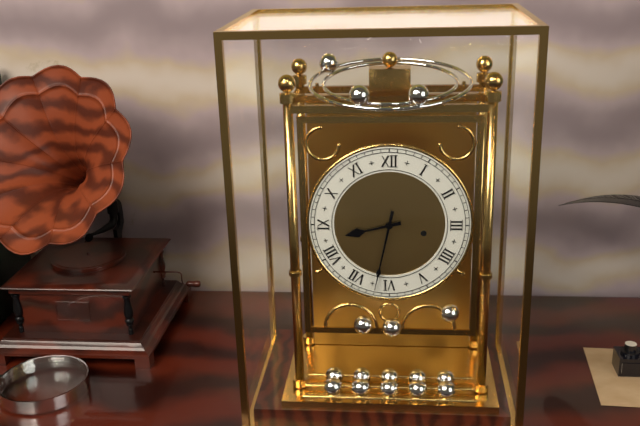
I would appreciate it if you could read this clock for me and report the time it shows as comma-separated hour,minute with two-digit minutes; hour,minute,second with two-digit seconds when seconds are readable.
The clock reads 8,32
